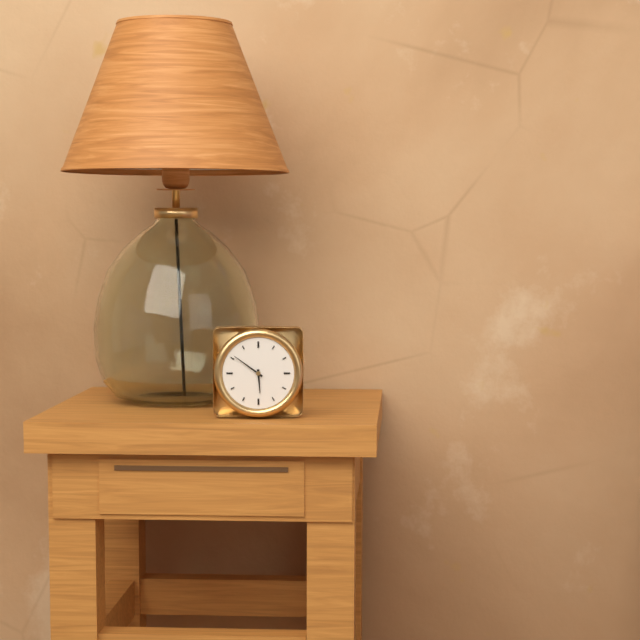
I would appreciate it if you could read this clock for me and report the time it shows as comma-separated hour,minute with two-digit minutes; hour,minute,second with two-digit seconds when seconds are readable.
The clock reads 5,51
